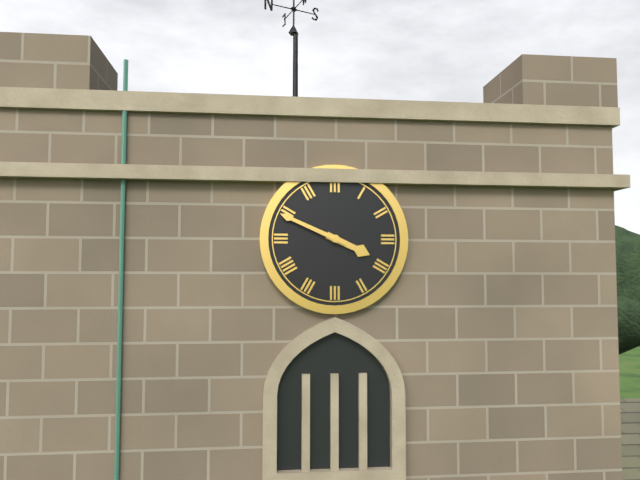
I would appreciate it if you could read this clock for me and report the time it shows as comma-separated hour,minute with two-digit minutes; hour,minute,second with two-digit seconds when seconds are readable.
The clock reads 3,49
